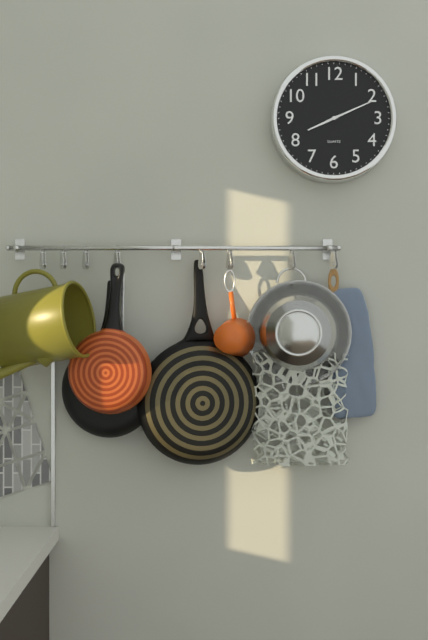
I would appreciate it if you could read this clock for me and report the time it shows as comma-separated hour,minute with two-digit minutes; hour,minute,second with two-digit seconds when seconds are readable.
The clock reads 8,11
